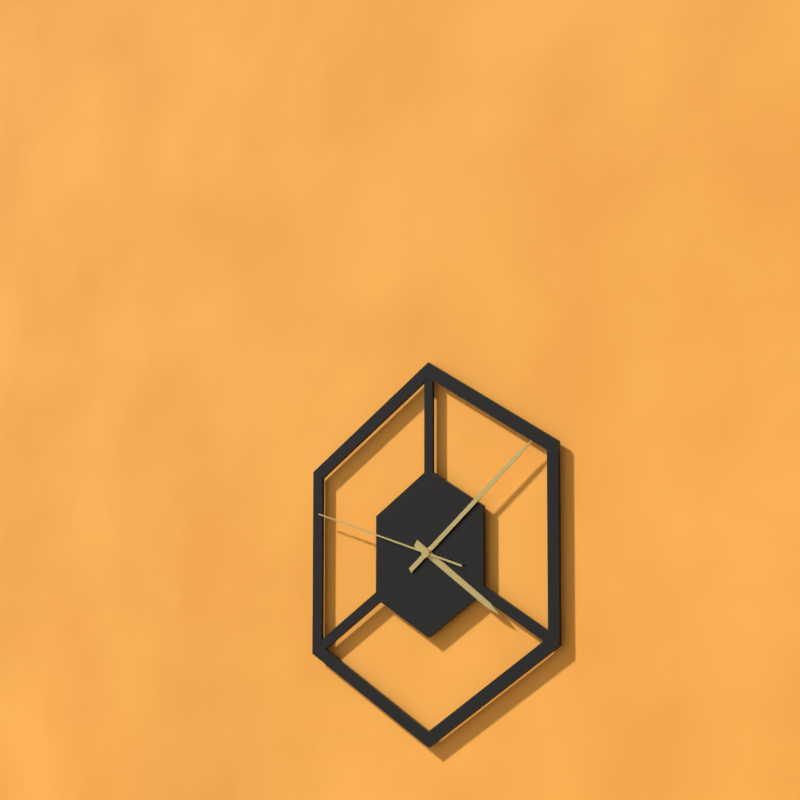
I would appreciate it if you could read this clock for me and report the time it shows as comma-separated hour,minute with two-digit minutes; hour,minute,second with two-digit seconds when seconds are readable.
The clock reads 4,09,48
